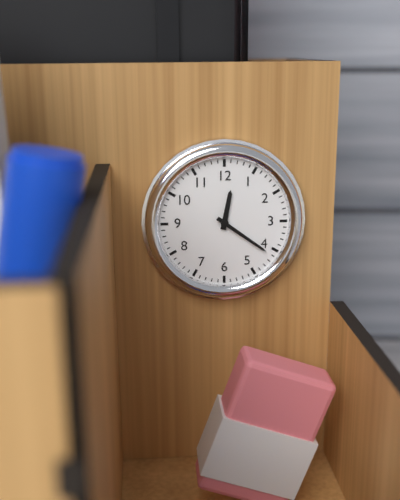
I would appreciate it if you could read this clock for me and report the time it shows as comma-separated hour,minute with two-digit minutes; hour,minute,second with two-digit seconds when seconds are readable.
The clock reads 12,21
